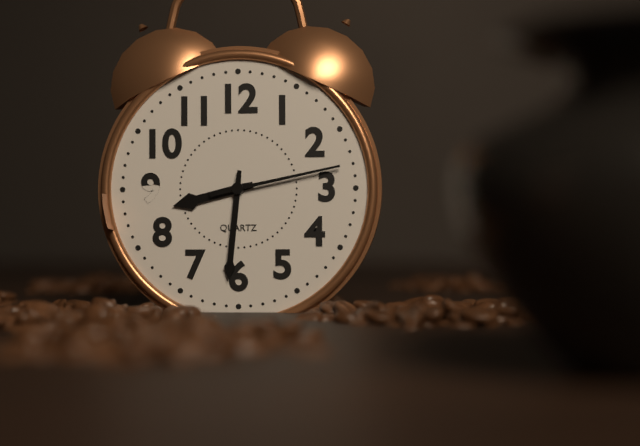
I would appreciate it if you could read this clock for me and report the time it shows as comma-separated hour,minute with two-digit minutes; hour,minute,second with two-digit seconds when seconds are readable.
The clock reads 8,31,13
